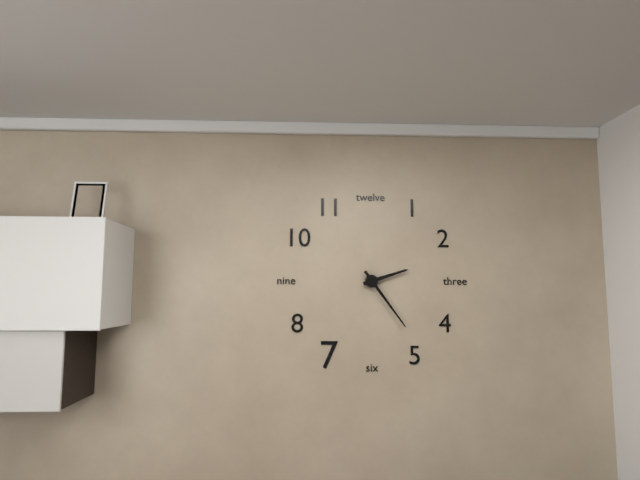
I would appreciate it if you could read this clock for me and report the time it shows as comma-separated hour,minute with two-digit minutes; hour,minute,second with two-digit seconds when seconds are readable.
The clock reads 2,24
